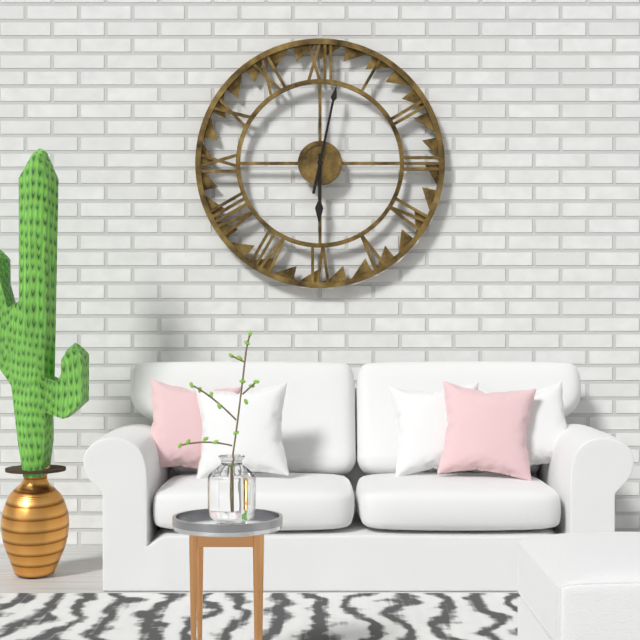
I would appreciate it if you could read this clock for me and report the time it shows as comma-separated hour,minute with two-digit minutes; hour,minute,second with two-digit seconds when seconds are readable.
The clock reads 6,02
